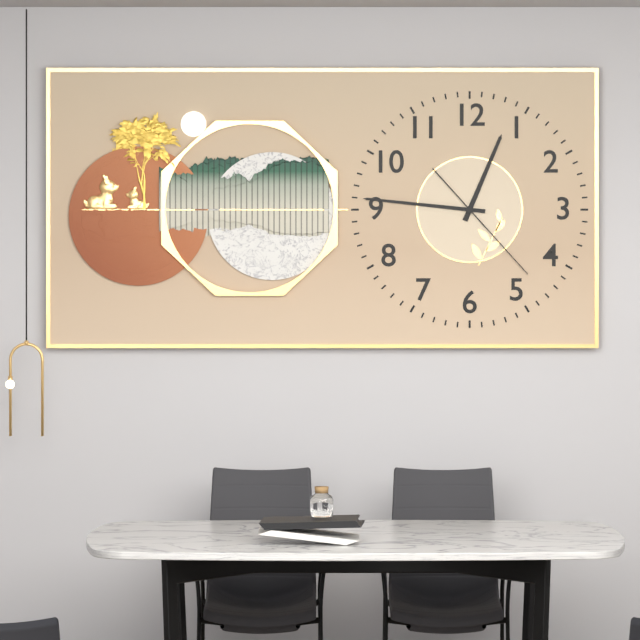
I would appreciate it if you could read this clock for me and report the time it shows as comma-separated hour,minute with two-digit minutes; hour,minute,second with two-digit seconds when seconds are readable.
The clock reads 12,46,23
